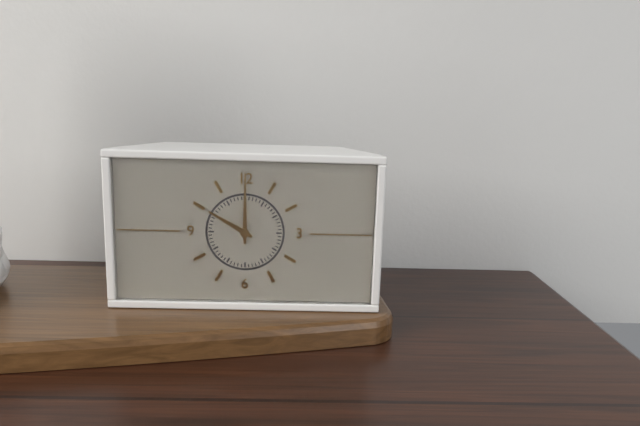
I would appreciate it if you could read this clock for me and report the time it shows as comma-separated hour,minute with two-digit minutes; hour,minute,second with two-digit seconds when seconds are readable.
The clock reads 10,00
